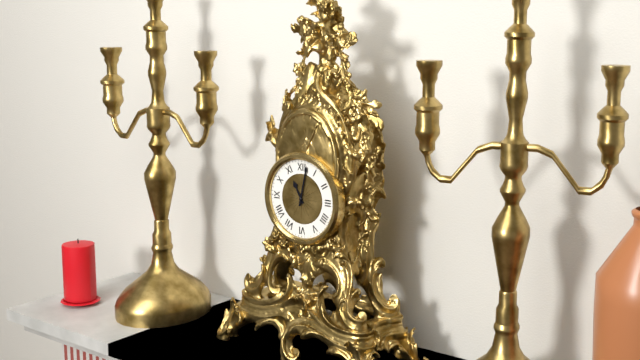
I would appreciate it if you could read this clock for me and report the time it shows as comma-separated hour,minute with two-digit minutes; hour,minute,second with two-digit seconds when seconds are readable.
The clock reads 11,02
